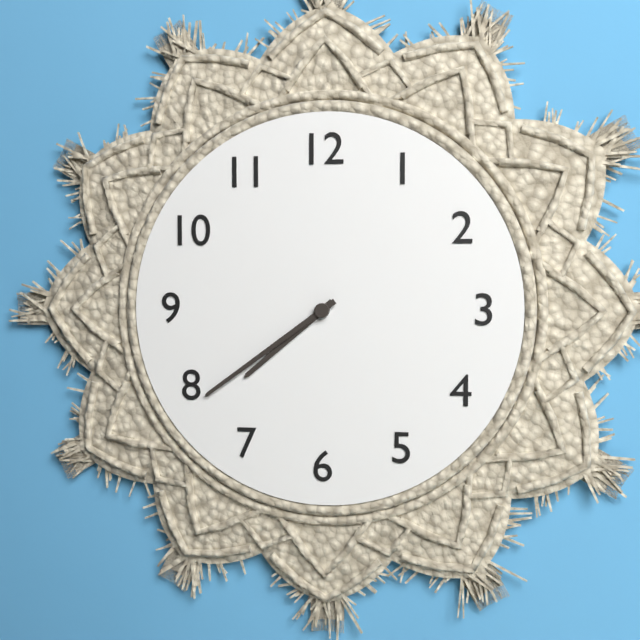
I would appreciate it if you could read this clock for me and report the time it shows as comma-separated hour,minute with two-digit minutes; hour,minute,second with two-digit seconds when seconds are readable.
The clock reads 7,39
